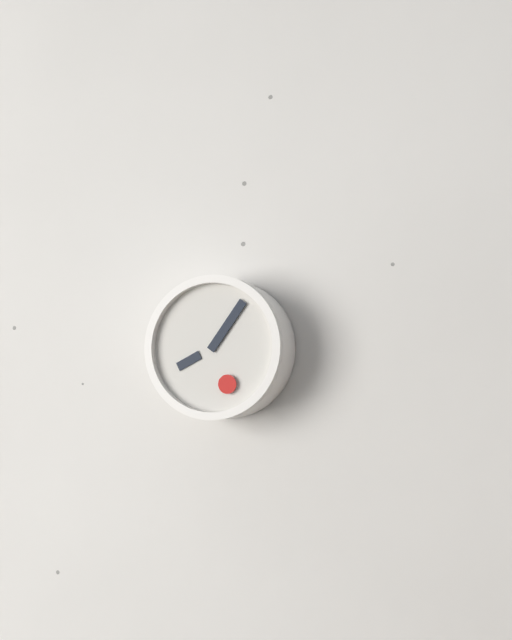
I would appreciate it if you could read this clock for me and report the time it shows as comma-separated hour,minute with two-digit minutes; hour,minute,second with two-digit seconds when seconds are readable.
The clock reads 8,06,26
